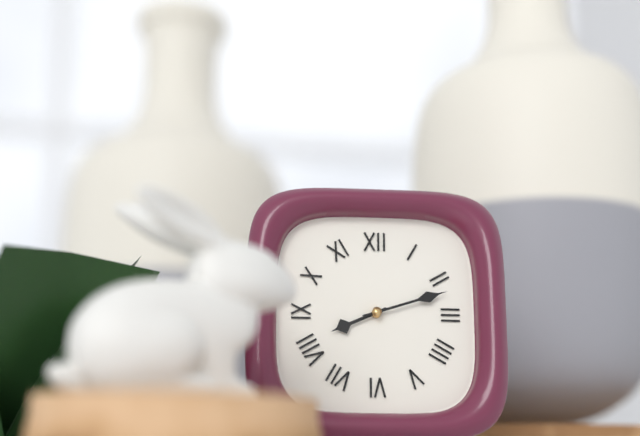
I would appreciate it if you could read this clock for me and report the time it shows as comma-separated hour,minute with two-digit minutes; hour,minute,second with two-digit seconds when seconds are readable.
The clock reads 8,12
